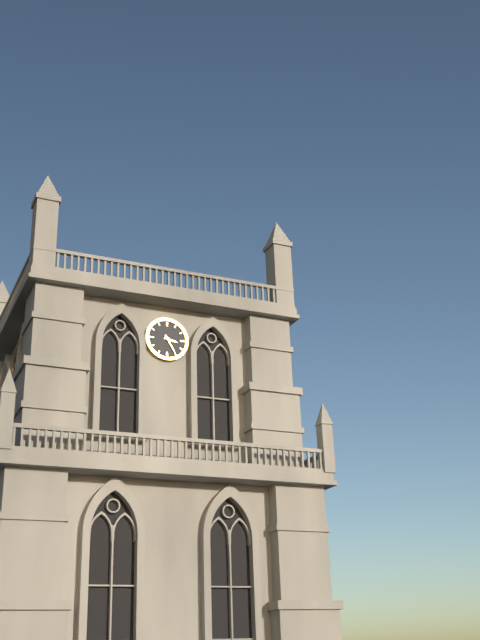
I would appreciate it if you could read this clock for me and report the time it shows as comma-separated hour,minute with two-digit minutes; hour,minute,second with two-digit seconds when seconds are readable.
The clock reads 3,25
